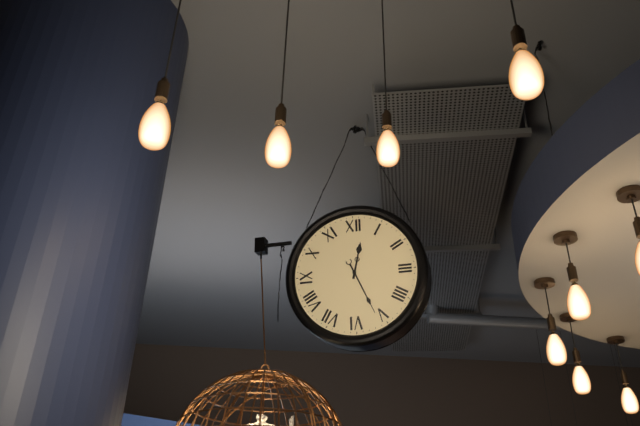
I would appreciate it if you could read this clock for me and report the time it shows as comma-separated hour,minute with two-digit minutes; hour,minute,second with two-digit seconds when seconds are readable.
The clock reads 12,26
